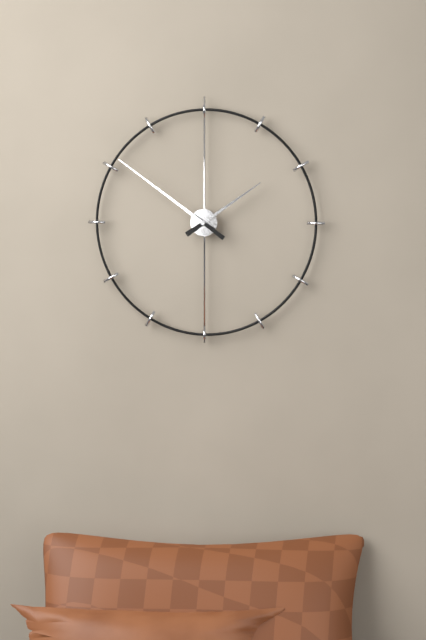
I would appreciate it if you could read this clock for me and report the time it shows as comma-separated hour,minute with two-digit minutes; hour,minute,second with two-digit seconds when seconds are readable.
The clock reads 1,51
